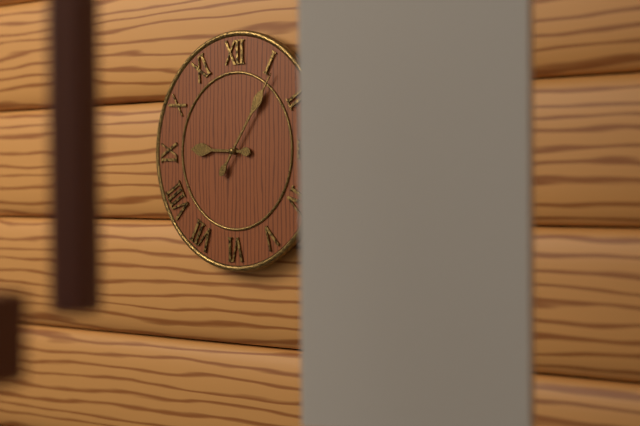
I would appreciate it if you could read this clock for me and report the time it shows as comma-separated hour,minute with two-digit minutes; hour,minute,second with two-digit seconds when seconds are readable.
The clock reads 9,06
